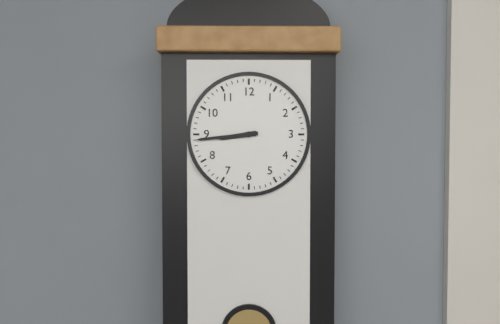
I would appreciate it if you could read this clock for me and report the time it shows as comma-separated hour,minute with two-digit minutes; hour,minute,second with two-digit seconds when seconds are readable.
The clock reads 8,44
